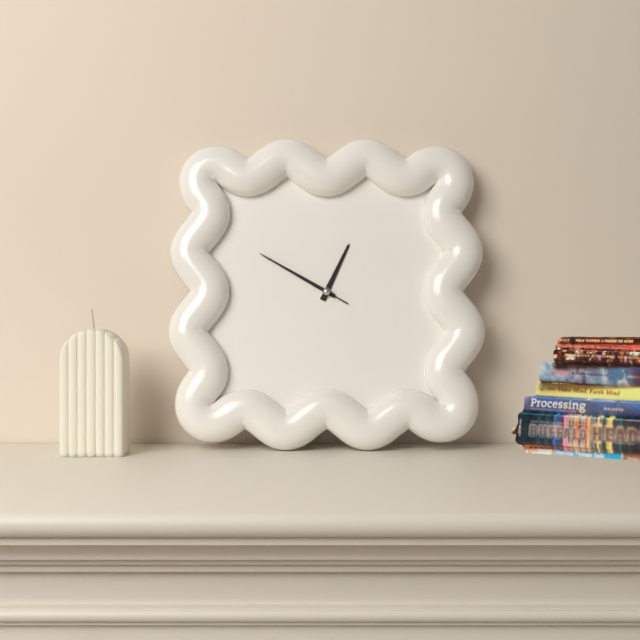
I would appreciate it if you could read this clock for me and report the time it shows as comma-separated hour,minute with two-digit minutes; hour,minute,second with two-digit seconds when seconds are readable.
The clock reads 12,50,50
